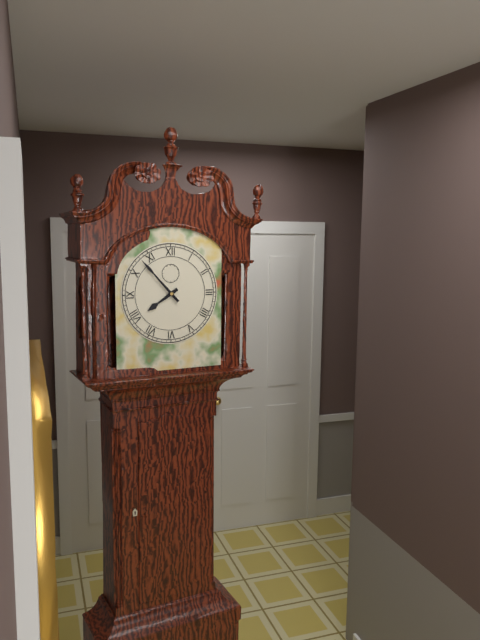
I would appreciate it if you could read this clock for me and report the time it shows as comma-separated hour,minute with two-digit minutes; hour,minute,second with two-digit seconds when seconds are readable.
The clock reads 7,53
